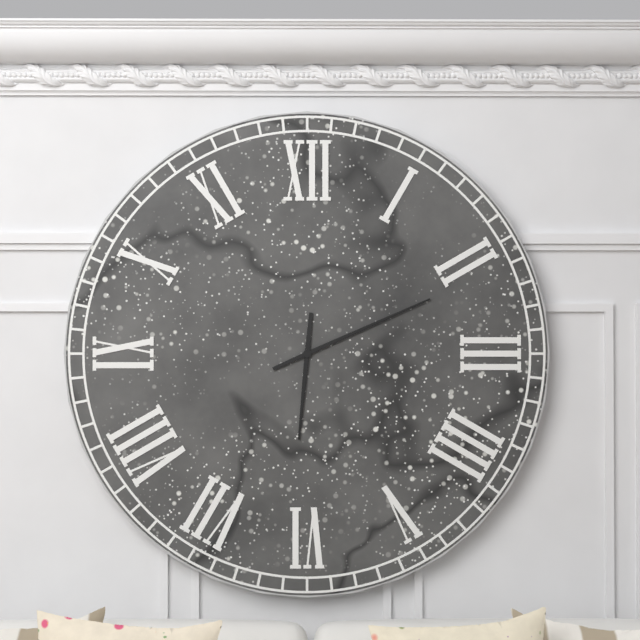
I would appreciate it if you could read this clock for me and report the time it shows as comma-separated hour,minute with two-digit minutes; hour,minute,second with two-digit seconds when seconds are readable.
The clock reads 6,11
